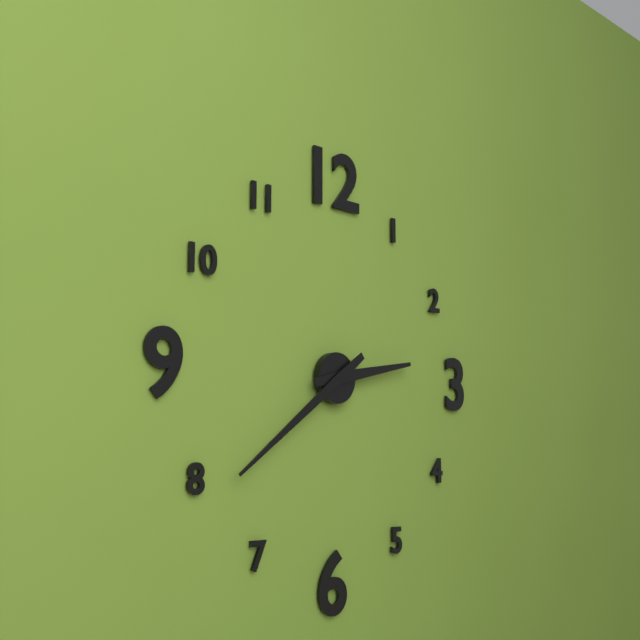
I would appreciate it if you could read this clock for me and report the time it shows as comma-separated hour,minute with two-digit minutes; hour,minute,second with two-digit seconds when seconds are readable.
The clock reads 2,39
